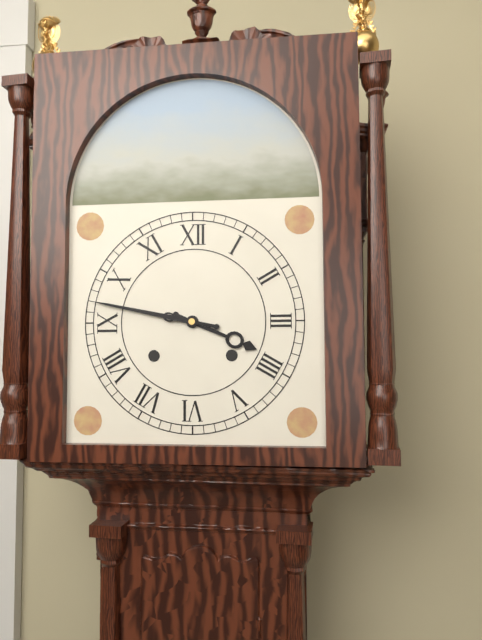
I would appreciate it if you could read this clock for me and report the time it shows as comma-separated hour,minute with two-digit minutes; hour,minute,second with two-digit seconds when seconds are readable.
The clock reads 3,47
